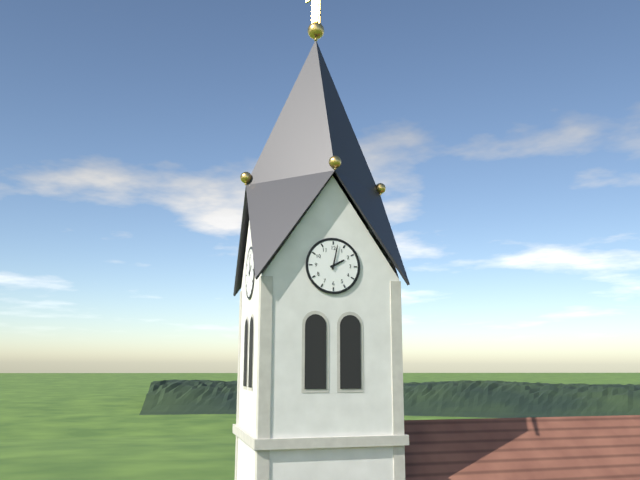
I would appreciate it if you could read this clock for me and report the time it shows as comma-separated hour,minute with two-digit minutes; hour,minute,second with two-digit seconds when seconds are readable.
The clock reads 2,02
